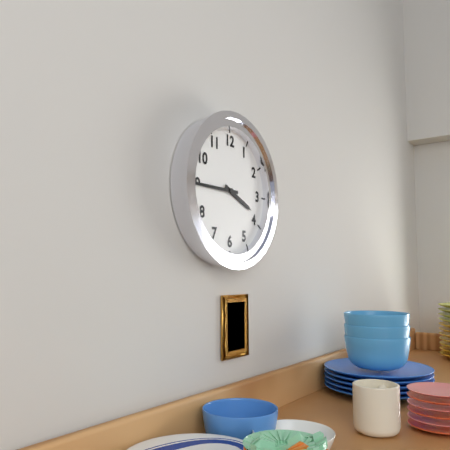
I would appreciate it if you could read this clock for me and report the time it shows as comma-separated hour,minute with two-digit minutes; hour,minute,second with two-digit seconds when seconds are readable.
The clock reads 3,45
